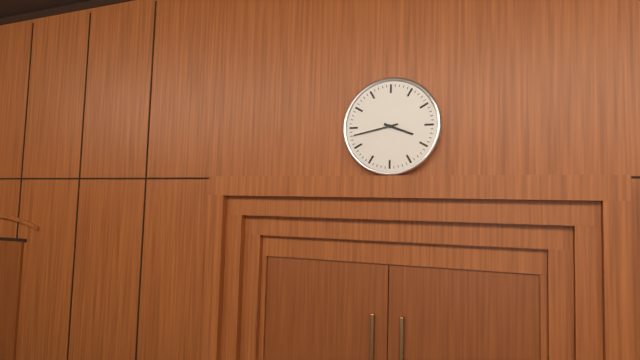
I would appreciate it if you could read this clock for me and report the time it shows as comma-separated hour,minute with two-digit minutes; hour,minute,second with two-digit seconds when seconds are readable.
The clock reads 3,43
